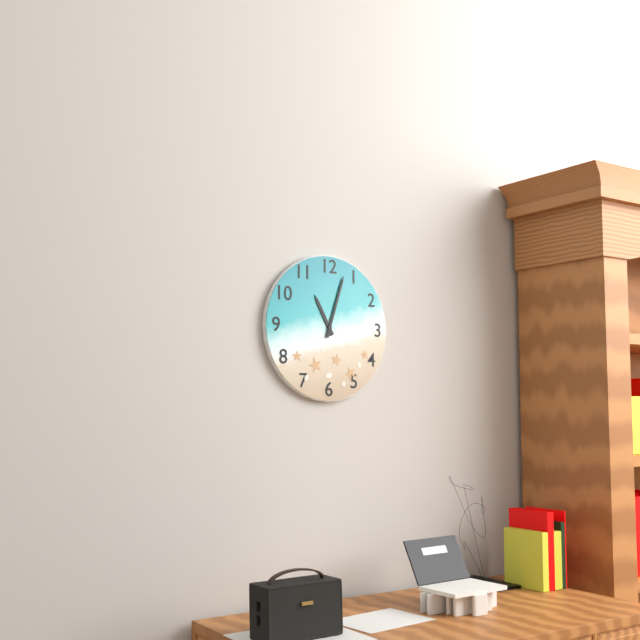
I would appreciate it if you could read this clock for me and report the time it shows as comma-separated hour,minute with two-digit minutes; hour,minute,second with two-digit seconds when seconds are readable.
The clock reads 11,03
